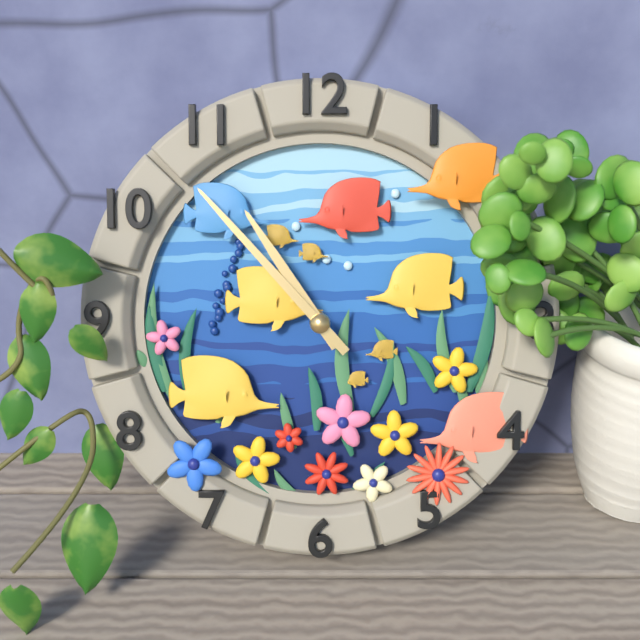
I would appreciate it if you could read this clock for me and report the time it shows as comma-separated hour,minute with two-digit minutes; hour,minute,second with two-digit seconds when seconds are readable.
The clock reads 10,53
